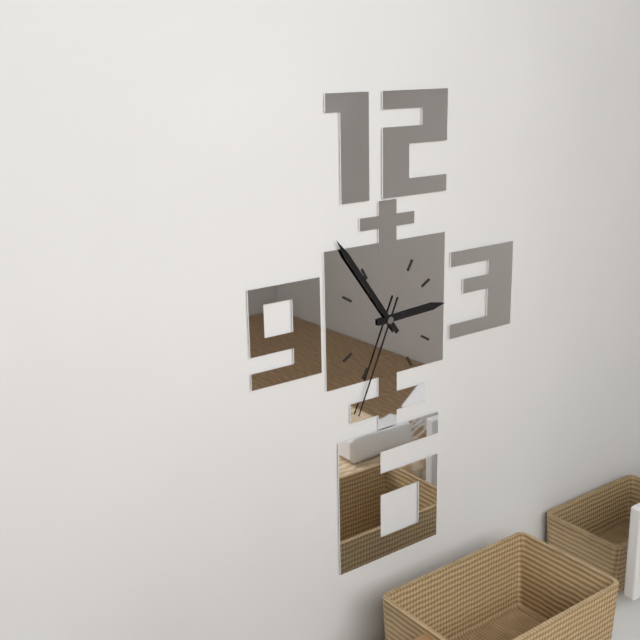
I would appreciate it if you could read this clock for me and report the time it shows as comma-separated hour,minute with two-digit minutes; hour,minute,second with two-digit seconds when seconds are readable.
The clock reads 2,54,34
